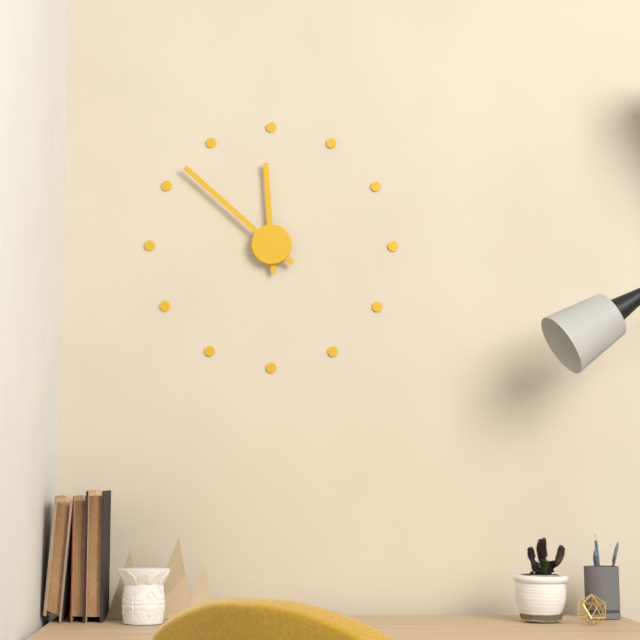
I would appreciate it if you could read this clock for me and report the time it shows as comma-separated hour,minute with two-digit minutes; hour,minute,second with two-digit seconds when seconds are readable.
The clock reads 11,52
